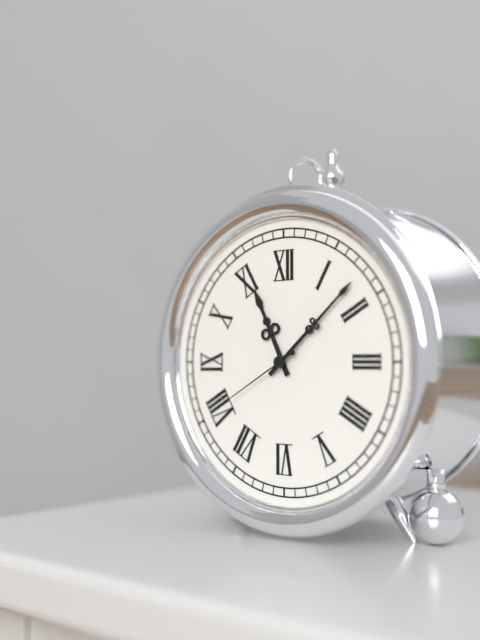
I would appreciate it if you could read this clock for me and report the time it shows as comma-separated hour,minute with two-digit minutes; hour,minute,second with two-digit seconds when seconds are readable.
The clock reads 11,08,40
